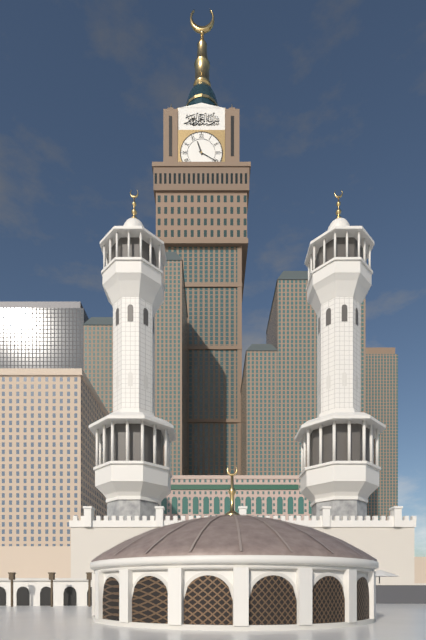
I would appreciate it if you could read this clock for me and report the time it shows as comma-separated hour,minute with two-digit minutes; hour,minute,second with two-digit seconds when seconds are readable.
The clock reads 11,20
